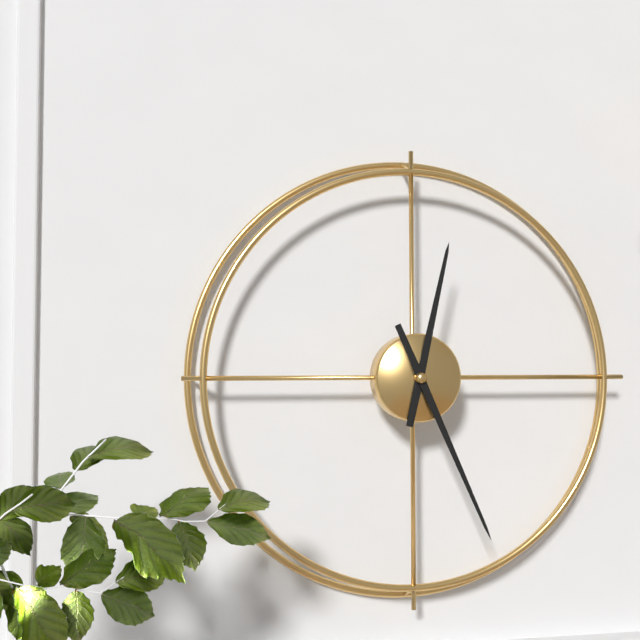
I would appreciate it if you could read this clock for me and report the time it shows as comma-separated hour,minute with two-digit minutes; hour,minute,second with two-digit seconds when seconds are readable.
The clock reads 12,26
